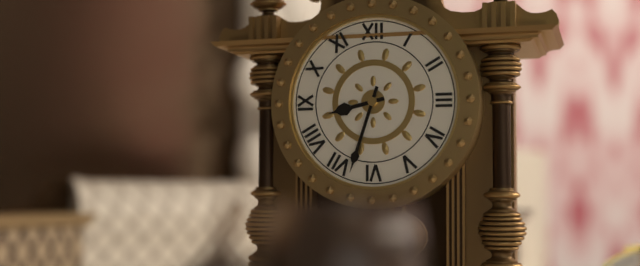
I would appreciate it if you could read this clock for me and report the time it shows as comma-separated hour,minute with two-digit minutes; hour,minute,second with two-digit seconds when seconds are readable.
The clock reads 8,33
